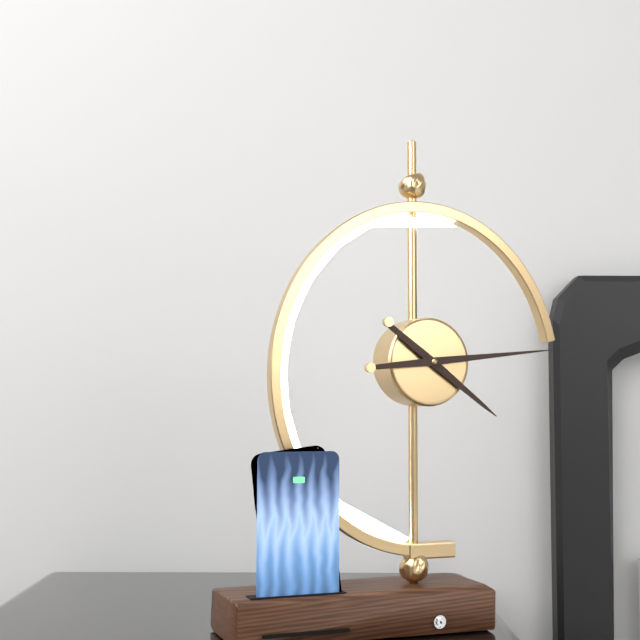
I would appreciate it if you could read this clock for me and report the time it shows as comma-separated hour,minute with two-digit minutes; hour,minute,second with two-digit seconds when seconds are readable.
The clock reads 4,14
